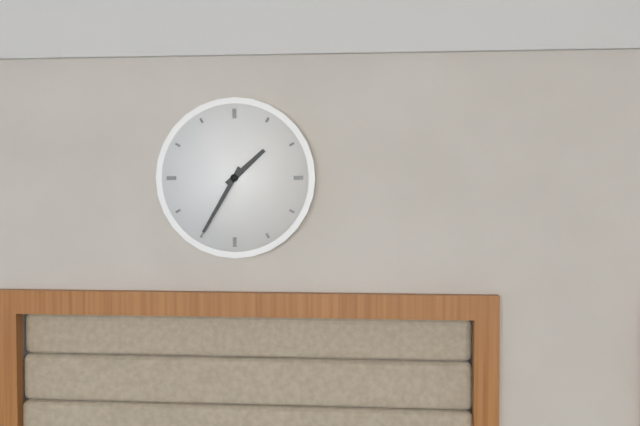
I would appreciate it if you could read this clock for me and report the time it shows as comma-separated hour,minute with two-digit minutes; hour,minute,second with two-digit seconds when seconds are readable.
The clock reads 1,35
